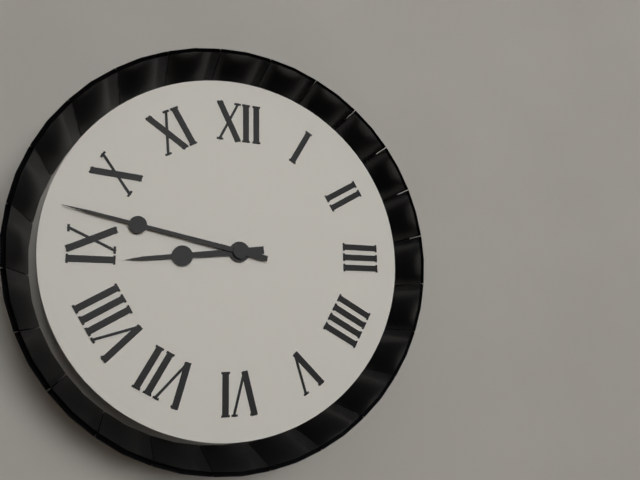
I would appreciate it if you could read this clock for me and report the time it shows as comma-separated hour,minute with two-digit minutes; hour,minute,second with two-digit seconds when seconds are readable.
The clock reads 8,47
